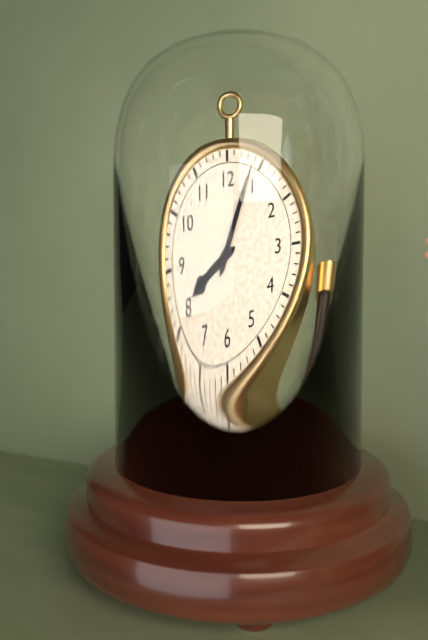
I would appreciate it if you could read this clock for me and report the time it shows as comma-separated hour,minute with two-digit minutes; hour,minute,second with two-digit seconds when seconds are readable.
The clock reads 8,04
